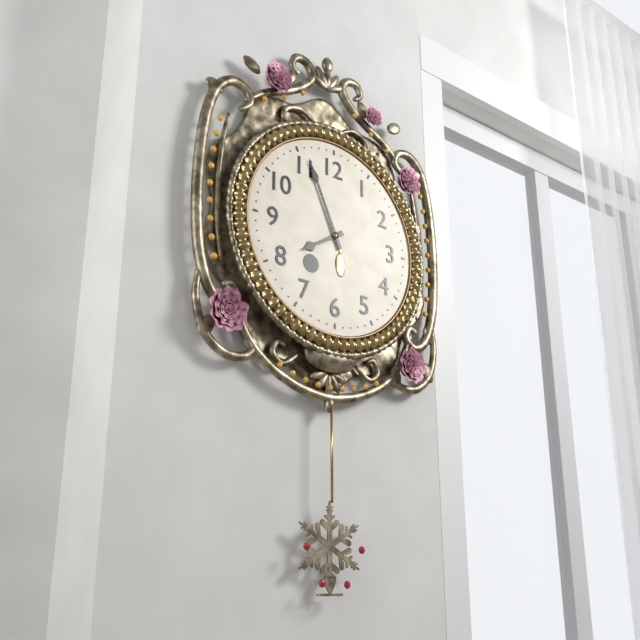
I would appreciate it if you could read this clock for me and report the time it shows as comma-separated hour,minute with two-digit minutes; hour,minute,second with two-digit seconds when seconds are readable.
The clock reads 7,56
